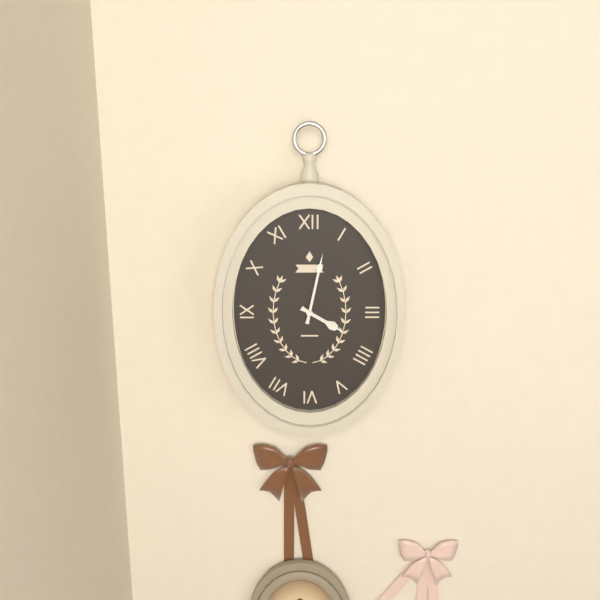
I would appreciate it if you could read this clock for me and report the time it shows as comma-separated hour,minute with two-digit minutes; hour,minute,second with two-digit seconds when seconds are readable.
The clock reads 4,02
